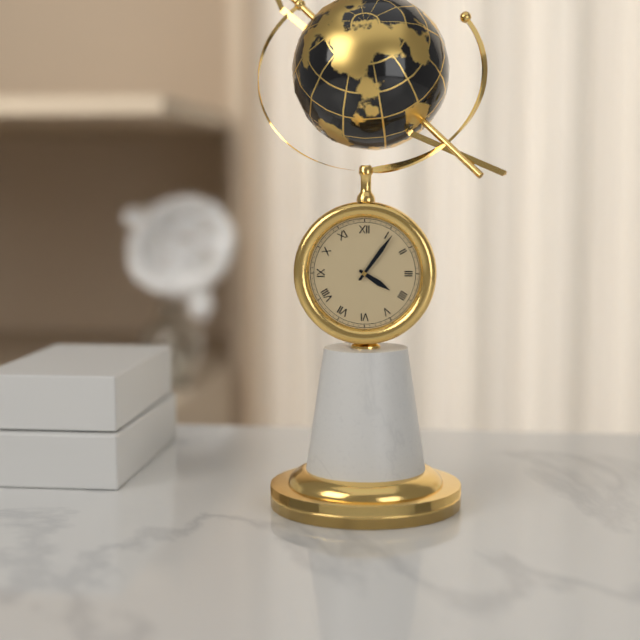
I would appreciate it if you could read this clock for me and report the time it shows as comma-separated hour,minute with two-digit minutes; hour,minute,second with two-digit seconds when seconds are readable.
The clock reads 4,06
